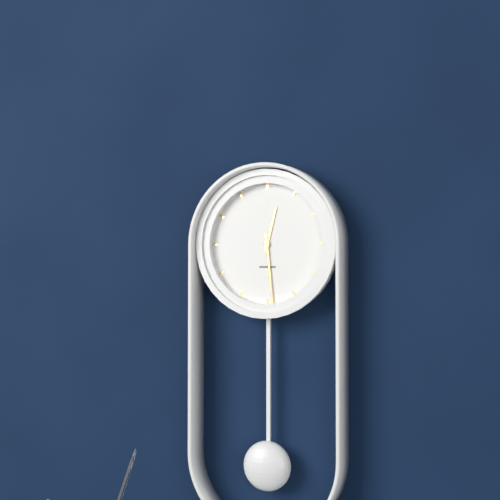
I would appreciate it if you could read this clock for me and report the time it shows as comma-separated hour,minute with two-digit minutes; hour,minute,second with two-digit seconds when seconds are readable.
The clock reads 12,29
